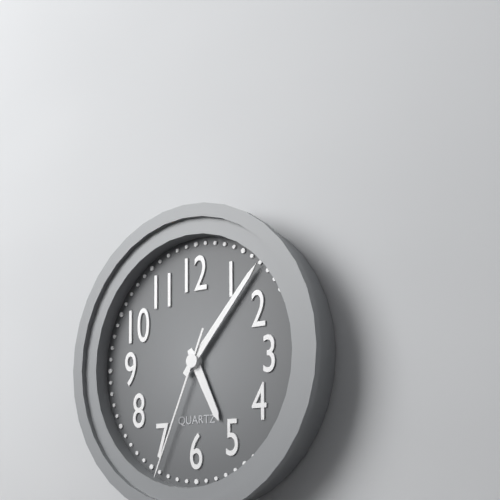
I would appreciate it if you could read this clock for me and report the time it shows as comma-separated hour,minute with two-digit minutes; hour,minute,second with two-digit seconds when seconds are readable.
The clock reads 5,07,34
